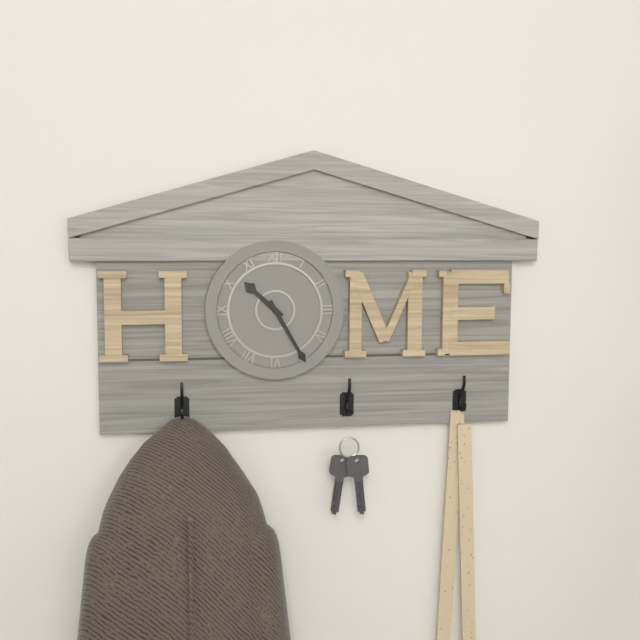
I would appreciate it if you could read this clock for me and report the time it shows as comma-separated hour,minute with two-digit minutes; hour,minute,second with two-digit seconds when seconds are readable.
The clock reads 10,25
